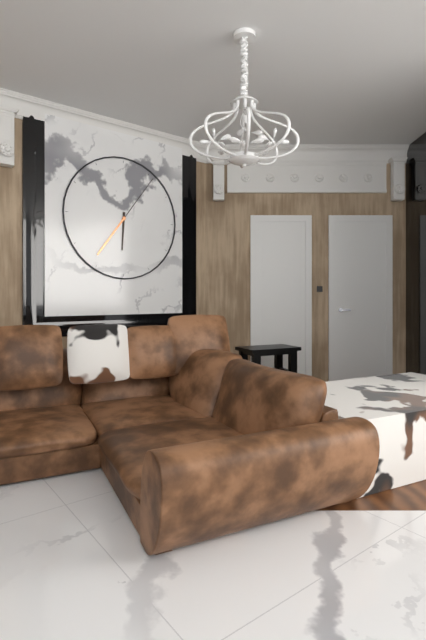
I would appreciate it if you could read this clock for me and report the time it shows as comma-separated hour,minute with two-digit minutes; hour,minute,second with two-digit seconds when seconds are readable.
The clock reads 6,06
